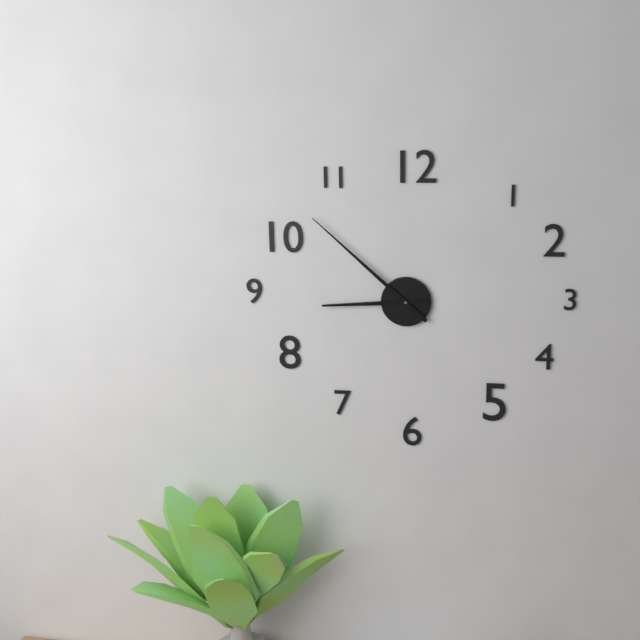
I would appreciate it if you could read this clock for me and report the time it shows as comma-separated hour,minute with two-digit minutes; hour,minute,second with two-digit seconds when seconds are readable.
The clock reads 8,52
